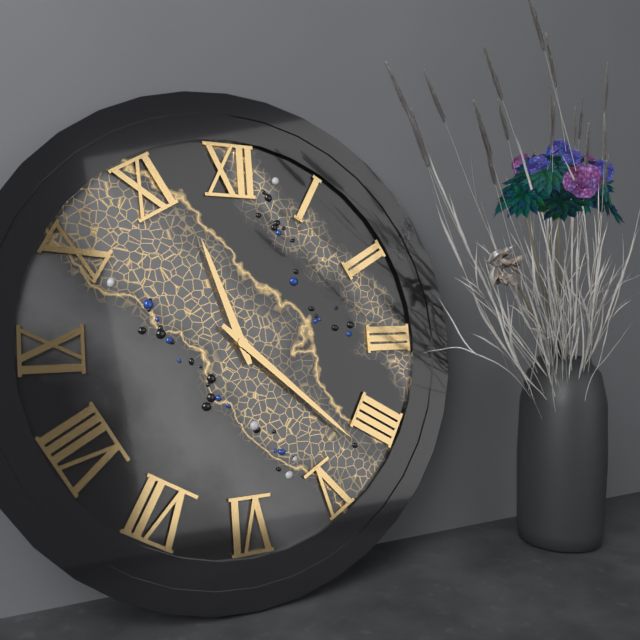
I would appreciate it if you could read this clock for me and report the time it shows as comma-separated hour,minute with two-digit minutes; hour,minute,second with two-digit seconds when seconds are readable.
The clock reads 11,22
